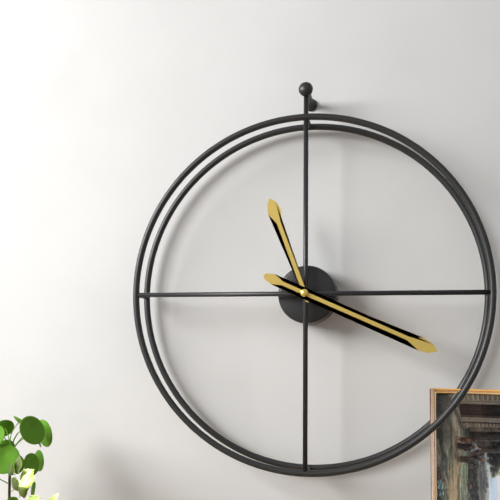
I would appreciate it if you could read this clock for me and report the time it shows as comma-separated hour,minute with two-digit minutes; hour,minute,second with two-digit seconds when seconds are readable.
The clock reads 11,19
